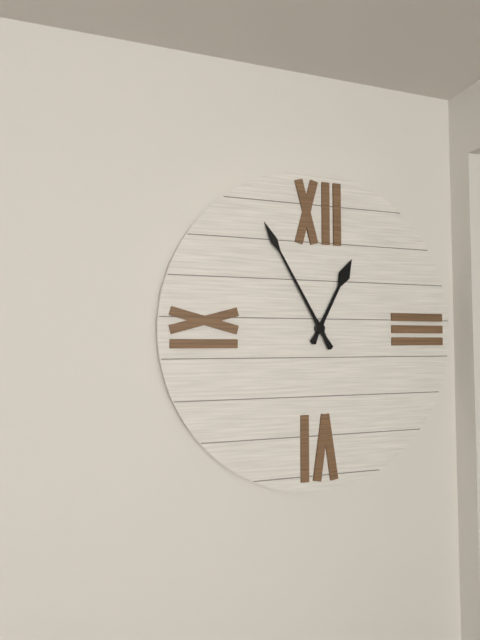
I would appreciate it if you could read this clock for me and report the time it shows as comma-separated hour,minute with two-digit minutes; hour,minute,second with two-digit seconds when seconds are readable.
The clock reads 12,55
